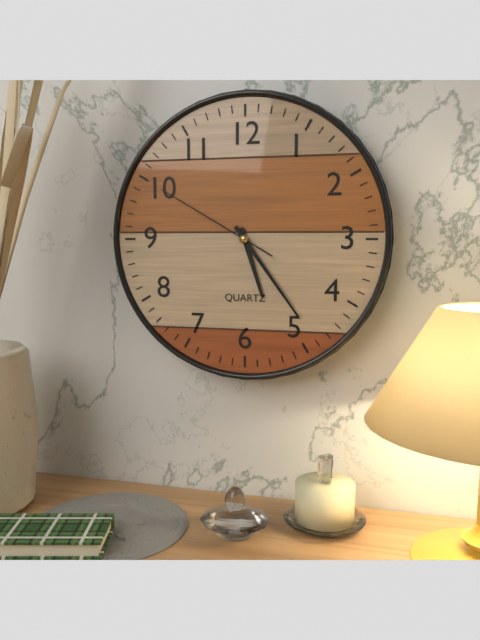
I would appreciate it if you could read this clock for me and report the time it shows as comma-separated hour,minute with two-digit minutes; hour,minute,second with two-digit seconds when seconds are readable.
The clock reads 5,24,50
